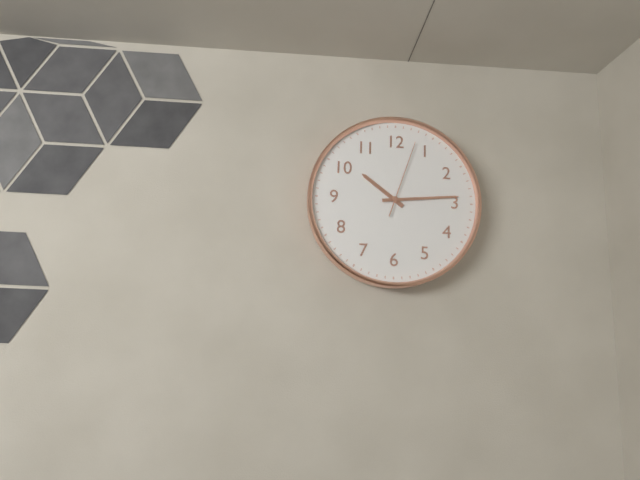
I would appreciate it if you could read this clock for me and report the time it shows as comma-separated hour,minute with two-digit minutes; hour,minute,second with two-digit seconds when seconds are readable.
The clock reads 10,14,03
